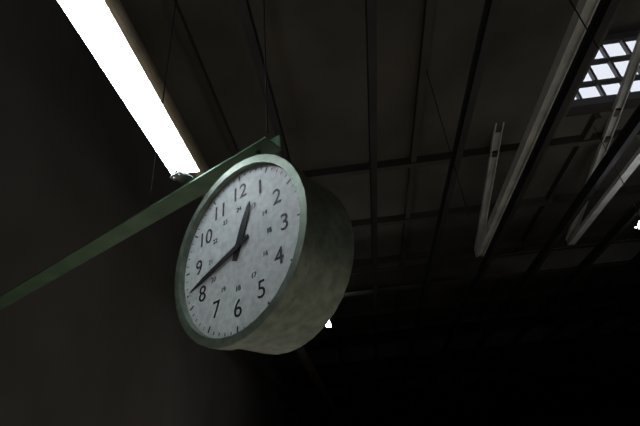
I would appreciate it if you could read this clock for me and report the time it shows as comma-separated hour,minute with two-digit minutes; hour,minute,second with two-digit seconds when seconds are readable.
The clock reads 12,42
